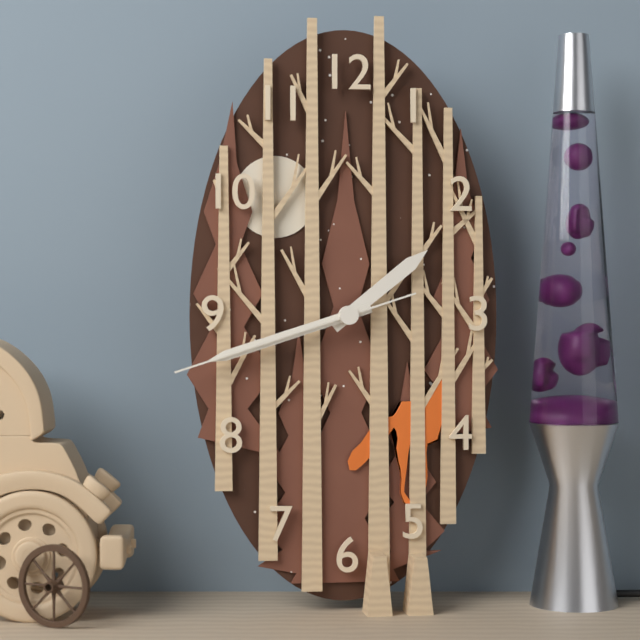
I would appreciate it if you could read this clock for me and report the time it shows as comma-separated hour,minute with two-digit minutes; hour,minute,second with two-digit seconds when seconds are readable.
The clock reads 1,42,42
